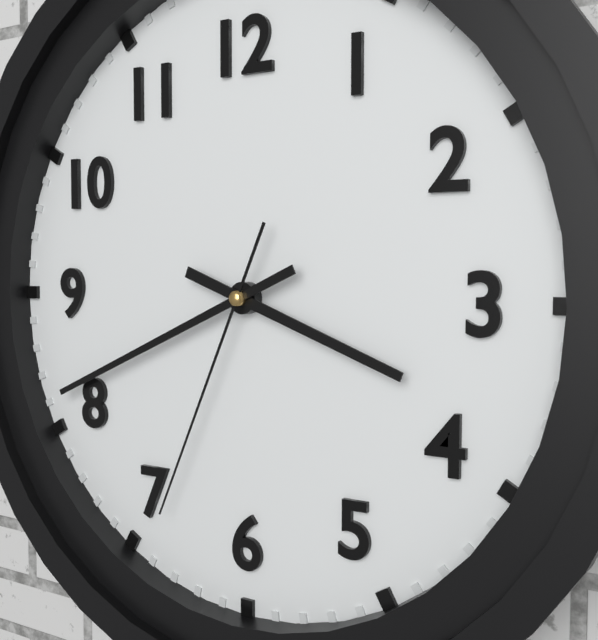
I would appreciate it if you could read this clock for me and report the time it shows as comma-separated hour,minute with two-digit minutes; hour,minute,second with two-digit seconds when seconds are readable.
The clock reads 3,41,34
